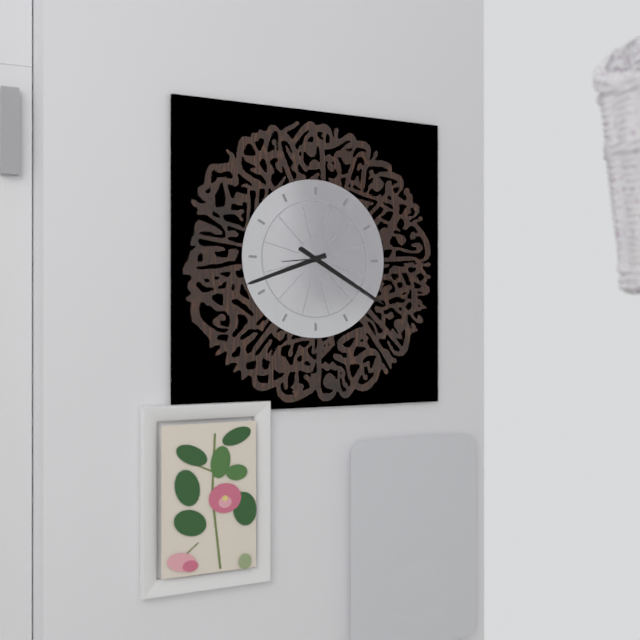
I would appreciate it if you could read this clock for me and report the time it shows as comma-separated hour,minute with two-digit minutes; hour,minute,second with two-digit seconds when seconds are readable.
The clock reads 8,20
